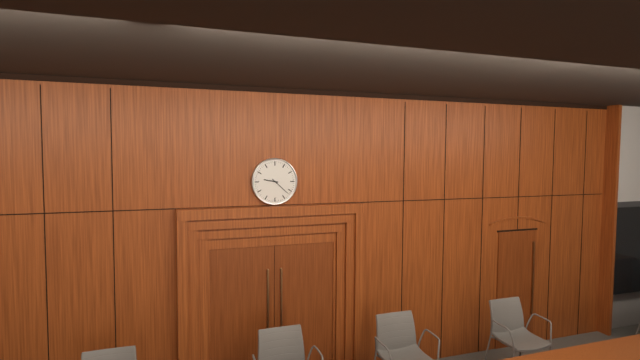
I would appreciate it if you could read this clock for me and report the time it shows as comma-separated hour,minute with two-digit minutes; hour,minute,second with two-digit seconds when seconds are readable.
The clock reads 9,22
